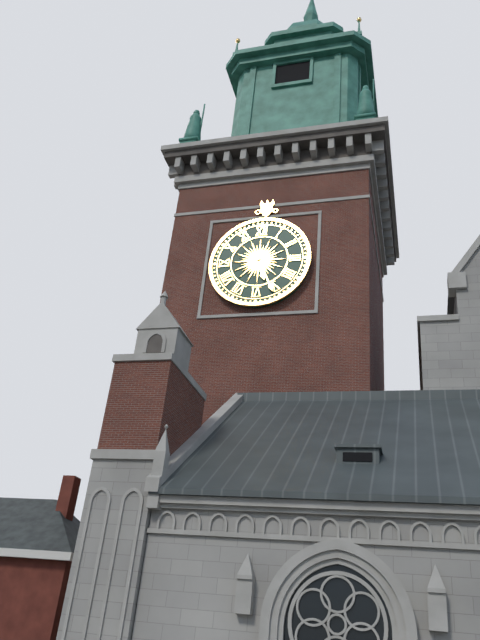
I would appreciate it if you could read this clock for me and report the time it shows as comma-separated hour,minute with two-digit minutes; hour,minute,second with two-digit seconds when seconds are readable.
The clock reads 5,26
